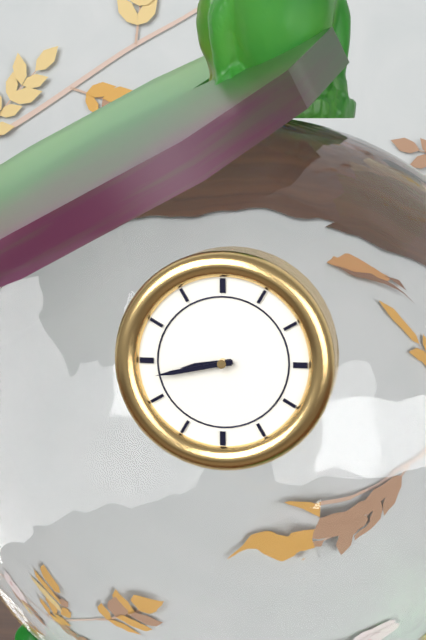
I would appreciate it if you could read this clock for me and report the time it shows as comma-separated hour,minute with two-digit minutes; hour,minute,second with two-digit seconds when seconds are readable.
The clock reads 8,43
